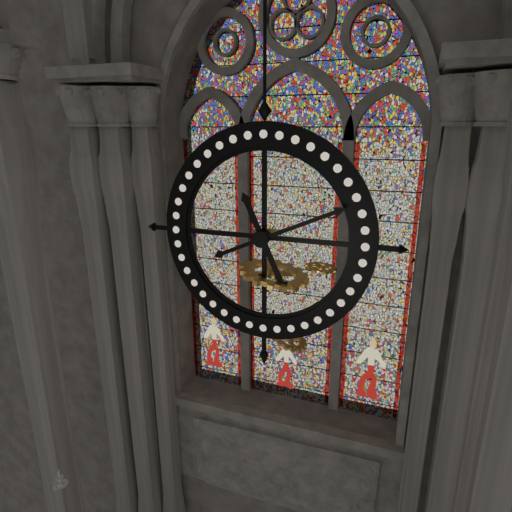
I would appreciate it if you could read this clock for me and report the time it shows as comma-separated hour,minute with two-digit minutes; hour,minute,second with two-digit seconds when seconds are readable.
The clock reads 5,11
